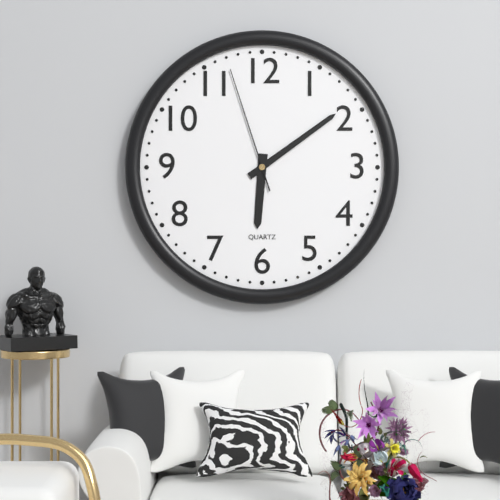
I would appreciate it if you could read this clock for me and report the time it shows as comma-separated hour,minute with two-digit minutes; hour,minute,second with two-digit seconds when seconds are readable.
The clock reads 6,09,57
